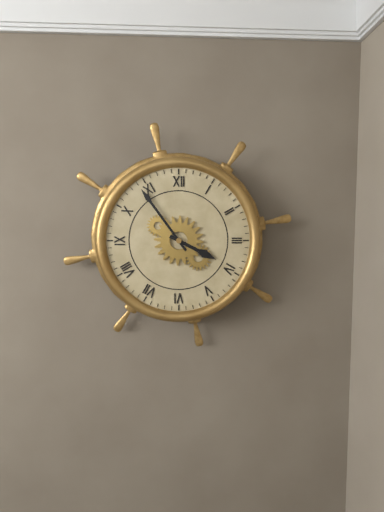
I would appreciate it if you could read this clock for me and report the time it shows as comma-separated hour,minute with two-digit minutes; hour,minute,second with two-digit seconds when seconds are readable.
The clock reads 3,54
